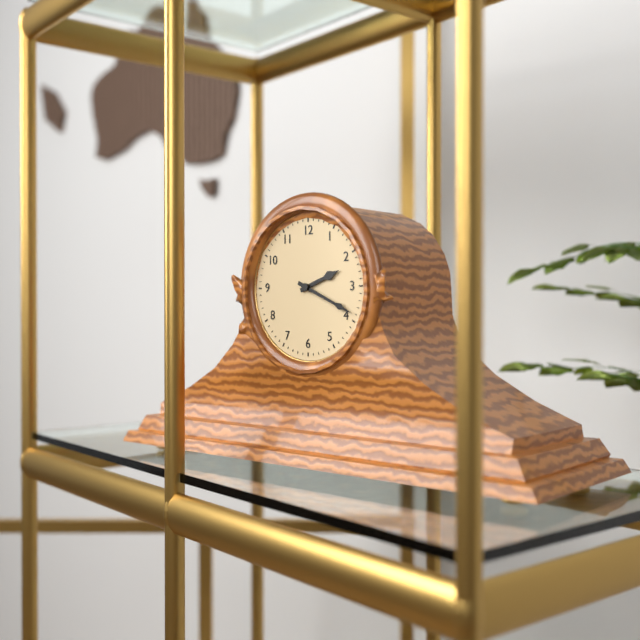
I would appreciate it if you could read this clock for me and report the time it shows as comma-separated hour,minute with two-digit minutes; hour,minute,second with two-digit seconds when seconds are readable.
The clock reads 2,19
